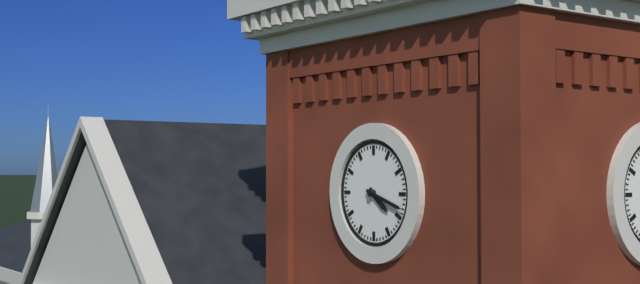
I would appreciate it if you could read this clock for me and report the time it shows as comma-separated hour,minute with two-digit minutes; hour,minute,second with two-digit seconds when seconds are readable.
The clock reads 4,18
